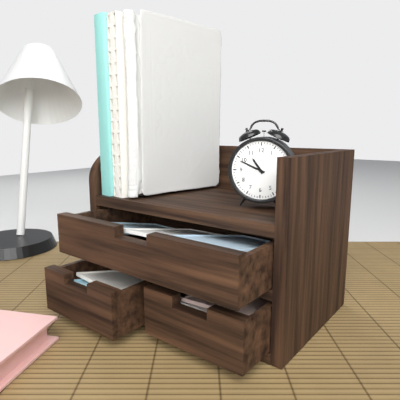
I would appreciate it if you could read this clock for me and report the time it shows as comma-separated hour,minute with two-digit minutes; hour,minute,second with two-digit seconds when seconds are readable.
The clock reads 10,49
